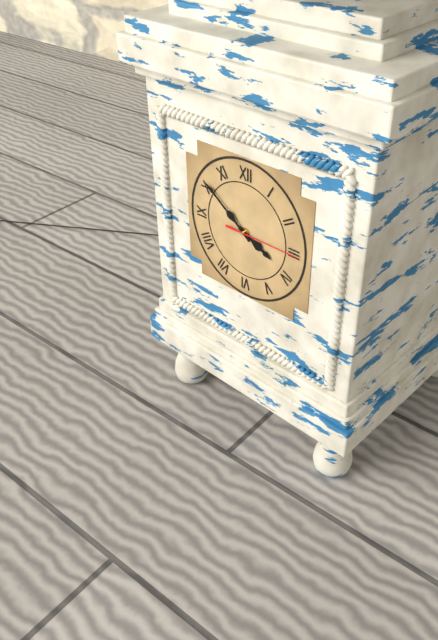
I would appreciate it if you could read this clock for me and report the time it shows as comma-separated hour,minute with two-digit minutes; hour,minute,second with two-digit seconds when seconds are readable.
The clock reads 3,51,15
